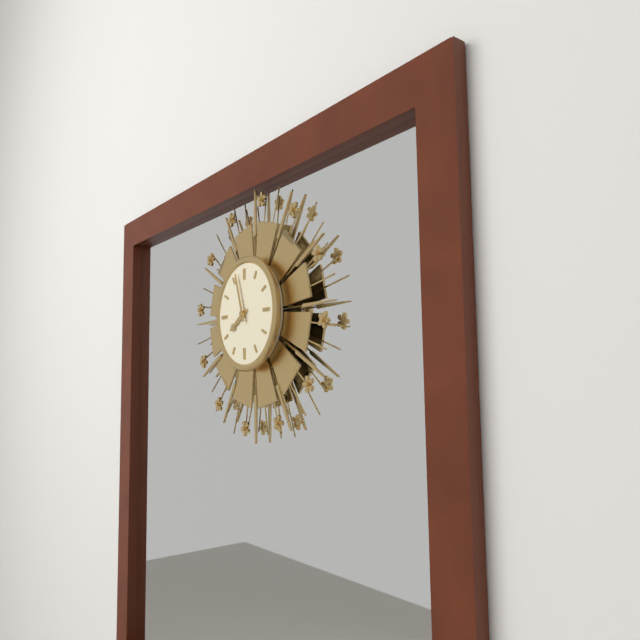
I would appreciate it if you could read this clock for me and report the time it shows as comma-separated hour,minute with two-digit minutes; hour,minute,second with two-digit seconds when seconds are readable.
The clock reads 7,57
